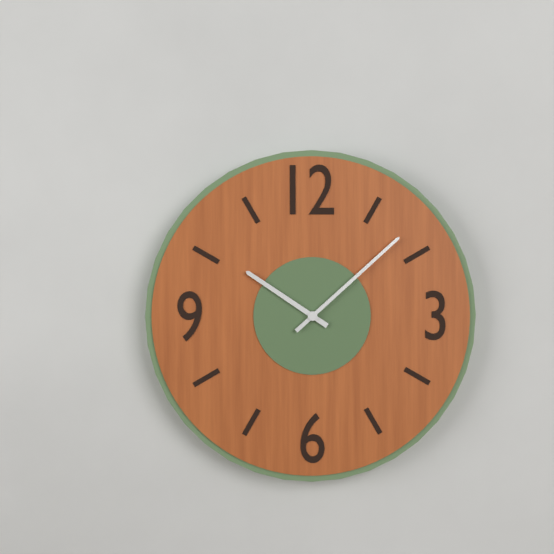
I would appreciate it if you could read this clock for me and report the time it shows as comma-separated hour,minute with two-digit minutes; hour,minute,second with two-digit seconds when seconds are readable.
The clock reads 10,08
